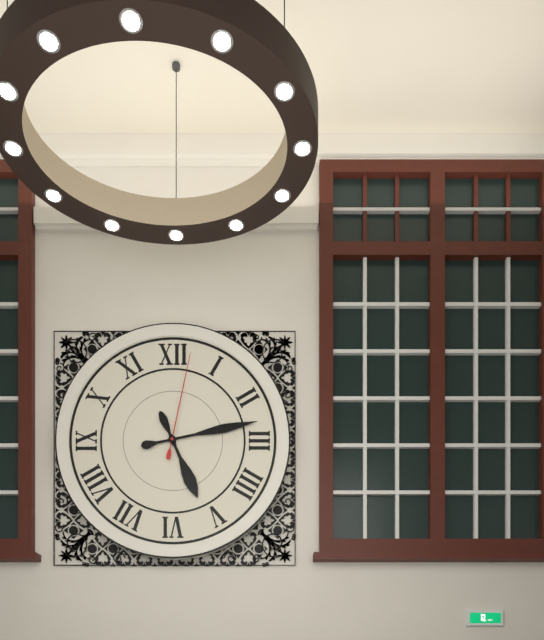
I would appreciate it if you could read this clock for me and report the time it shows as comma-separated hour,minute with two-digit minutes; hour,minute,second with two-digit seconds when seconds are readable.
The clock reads 5,13,02
